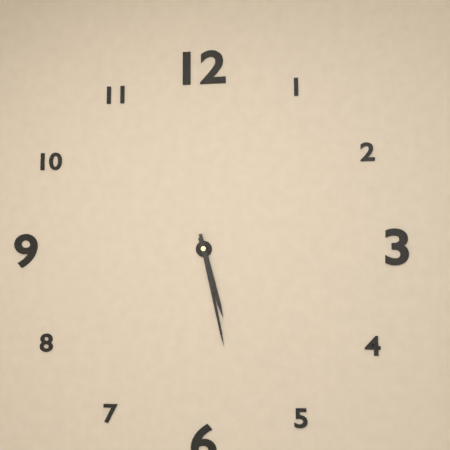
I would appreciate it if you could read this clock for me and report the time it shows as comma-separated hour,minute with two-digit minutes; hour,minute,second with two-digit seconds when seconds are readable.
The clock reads 5,28
